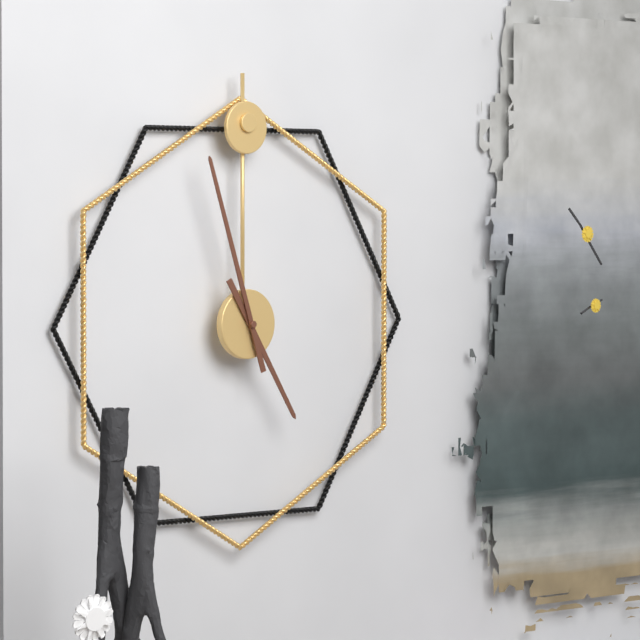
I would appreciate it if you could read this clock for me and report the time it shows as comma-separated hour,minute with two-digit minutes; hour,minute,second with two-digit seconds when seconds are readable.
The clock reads 4,57
